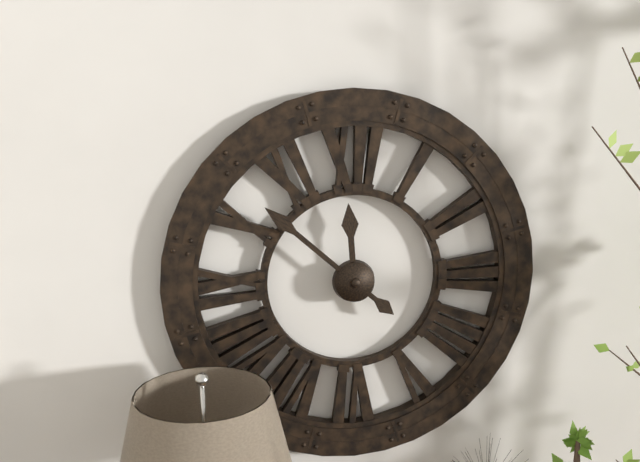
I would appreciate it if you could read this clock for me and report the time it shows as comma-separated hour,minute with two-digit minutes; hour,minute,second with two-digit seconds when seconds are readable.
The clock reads 11,52
